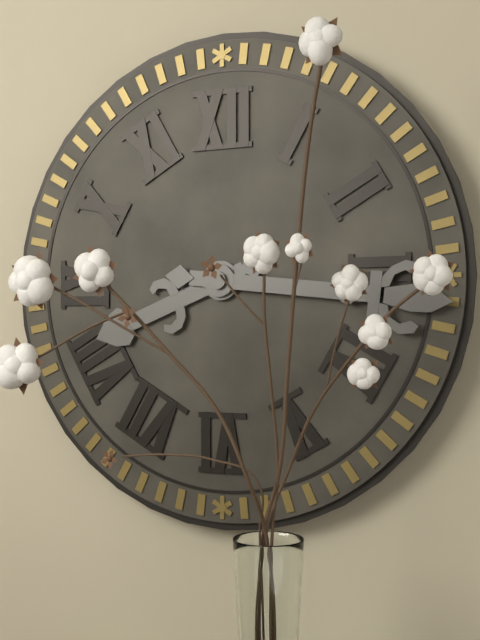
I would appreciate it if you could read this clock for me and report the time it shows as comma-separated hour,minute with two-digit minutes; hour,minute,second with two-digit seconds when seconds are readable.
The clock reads 8,16
